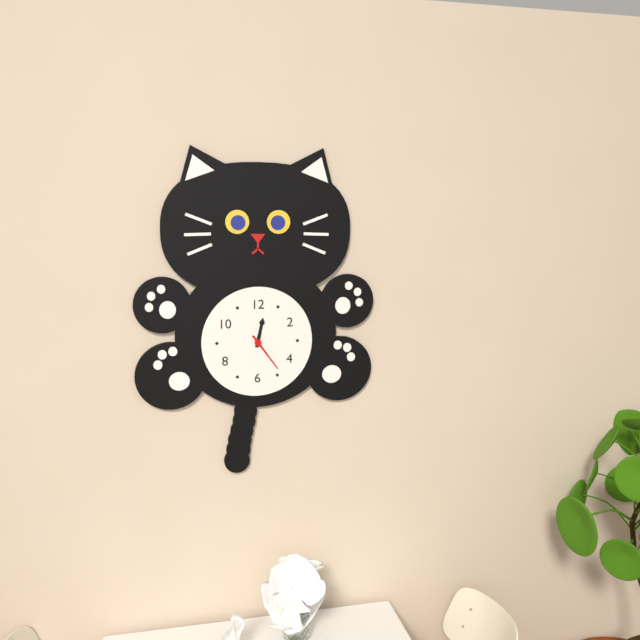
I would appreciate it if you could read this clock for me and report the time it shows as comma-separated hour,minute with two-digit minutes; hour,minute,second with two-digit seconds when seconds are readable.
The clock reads 12,24
